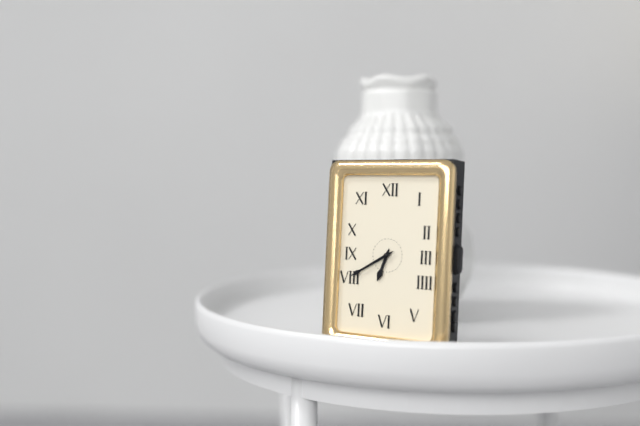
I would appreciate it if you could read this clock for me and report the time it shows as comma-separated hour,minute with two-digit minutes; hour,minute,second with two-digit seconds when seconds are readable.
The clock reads 6,40
